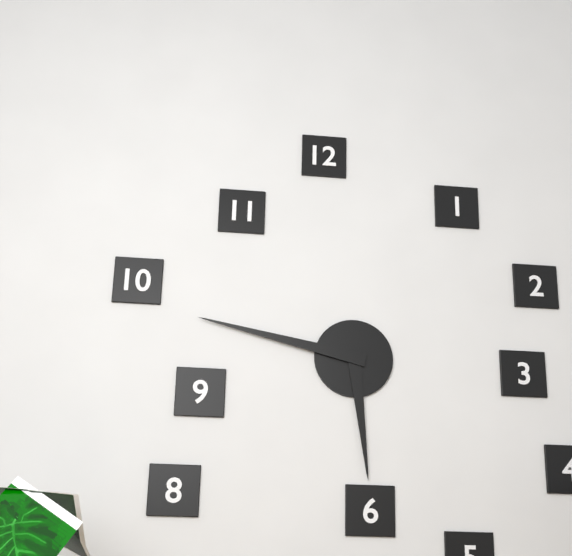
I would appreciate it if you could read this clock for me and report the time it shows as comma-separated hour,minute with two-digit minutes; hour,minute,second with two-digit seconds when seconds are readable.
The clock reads 5,47
